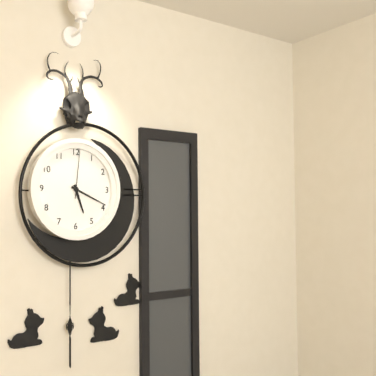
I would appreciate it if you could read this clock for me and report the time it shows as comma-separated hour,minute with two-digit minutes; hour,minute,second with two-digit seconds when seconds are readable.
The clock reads 5,19,01
